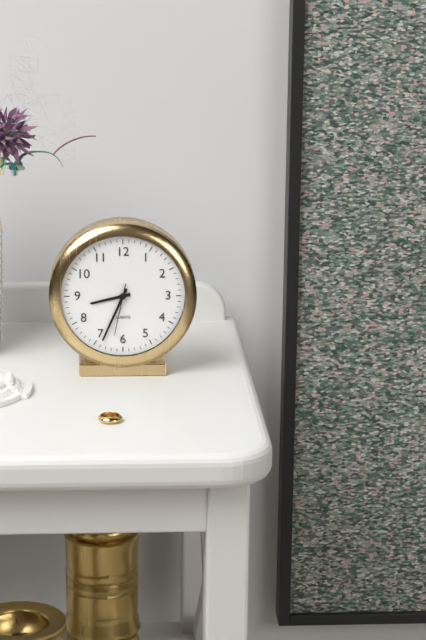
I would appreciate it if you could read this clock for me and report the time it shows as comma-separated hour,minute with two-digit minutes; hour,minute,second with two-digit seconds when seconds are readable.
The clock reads 8,34,32
